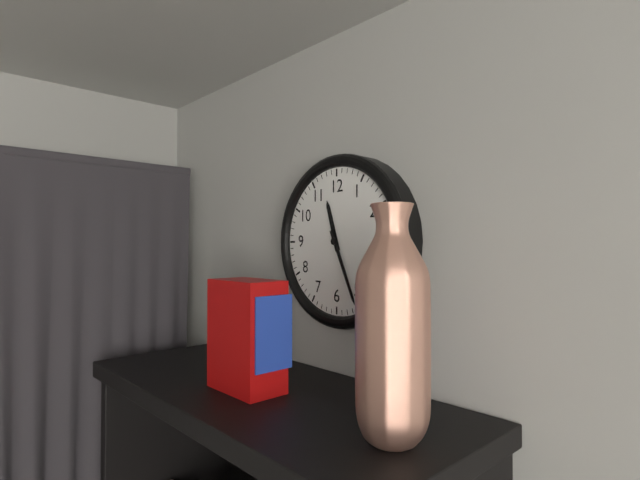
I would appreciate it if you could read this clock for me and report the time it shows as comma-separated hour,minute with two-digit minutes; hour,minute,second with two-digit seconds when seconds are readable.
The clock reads 11,26
